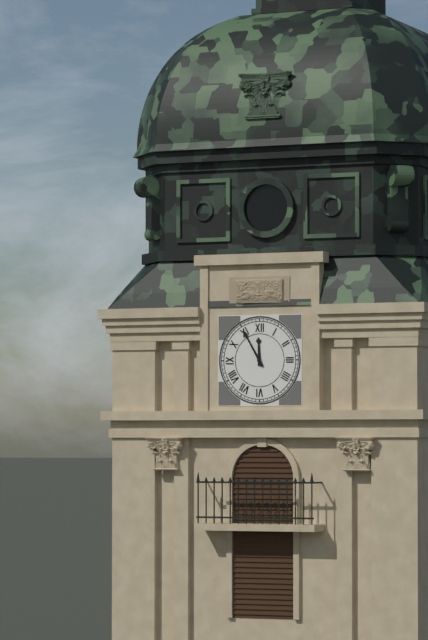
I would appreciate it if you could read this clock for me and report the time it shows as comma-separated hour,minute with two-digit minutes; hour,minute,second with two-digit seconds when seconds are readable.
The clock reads 11,55
